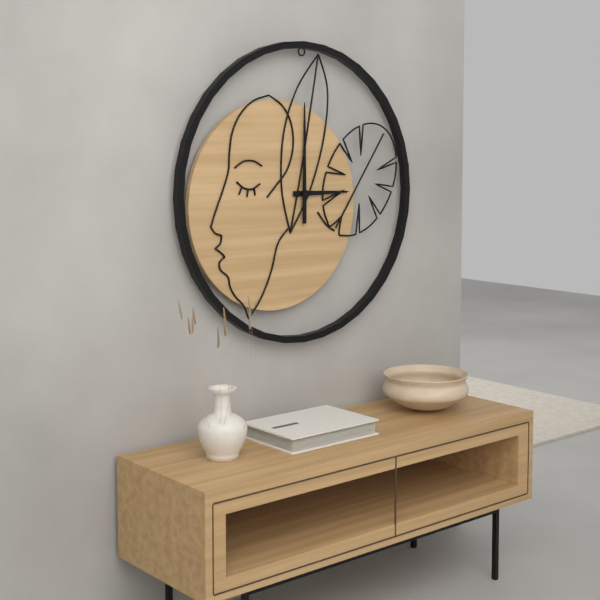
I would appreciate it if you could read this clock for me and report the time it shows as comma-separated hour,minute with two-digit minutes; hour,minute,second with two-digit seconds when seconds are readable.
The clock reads 3,00
